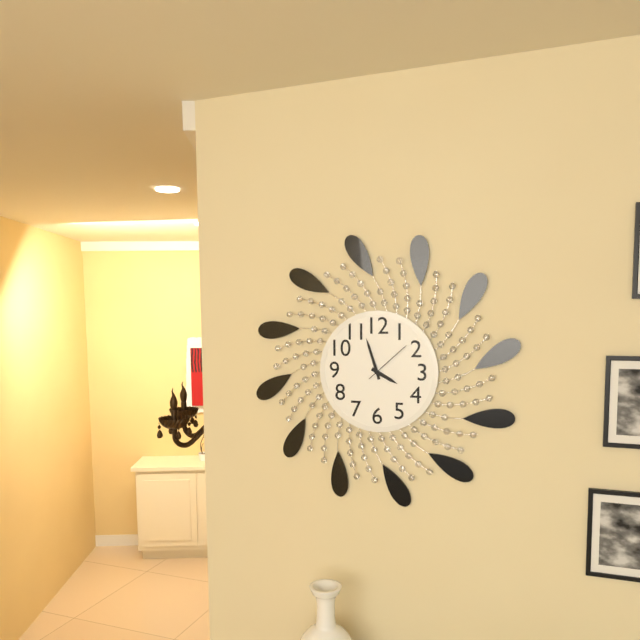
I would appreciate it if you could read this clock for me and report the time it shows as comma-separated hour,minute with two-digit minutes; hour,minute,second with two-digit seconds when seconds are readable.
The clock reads 3,57,08
